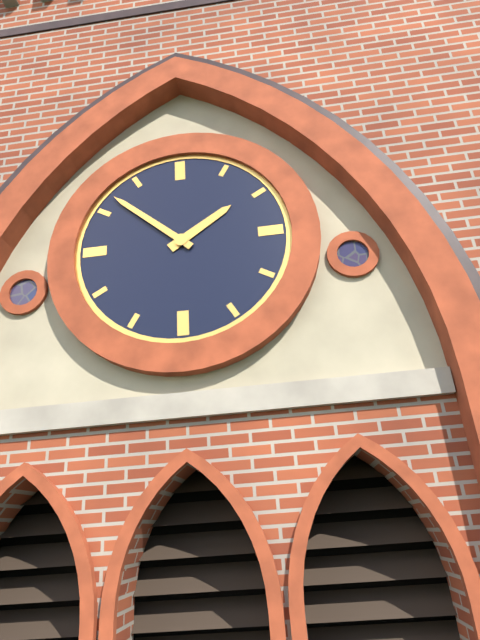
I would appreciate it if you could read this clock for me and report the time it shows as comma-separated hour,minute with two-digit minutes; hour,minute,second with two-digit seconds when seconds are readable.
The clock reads 1,52
